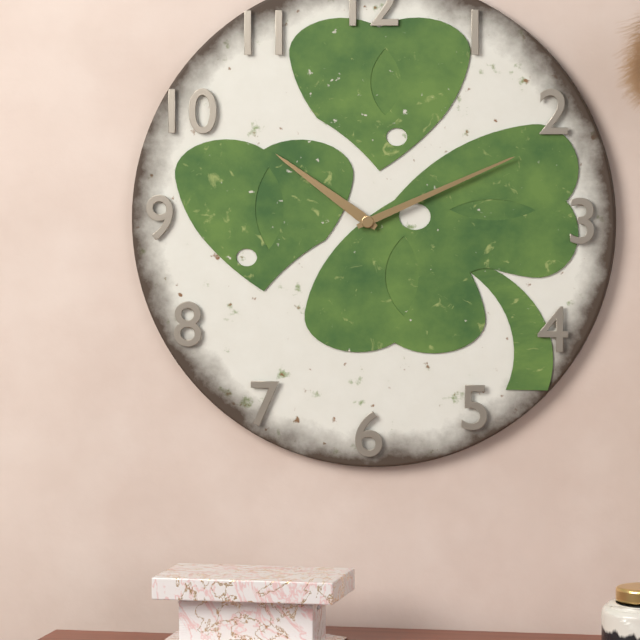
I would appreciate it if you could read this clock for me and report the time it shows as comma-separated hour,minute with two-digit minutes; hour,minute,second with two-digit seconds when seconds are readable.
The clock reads 10,11
